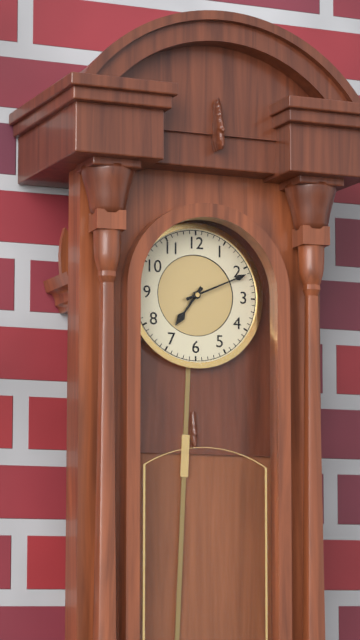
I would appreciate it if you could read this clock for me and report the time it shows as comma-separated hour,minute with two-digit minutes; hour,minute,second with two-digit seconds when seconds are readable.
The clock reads 7,11
